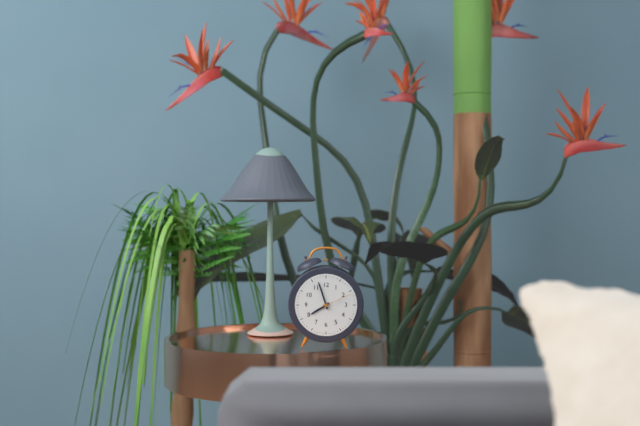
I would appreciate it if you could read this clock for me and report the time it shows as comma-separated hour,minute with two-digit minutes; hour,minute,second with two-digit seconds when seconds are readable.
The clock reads 7,57
